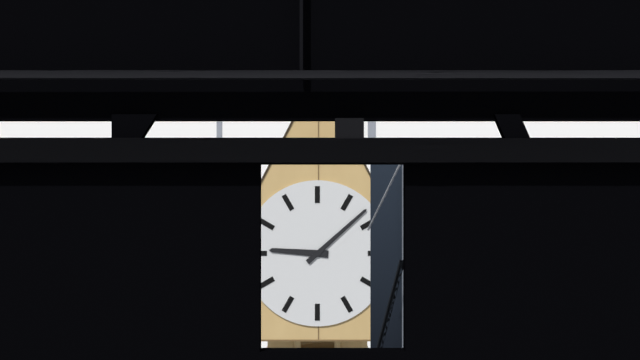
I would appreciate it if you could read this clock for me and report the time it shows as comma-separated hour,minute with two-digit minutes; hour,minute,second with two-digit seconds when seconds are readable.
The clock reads 9,08
